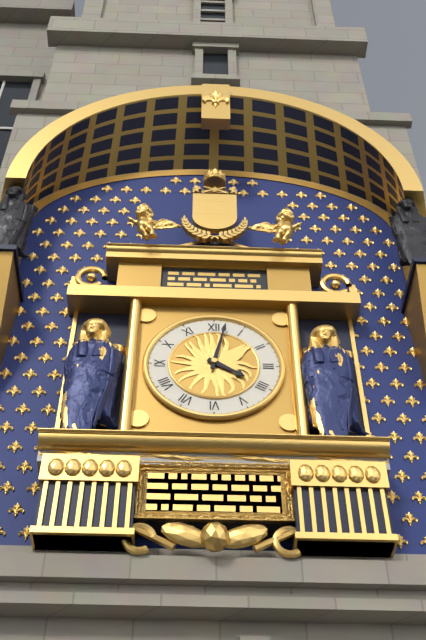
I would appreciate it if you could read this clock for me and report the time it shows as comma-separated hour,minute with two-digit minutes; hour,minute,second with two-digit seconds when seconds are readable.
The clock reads 4,02
